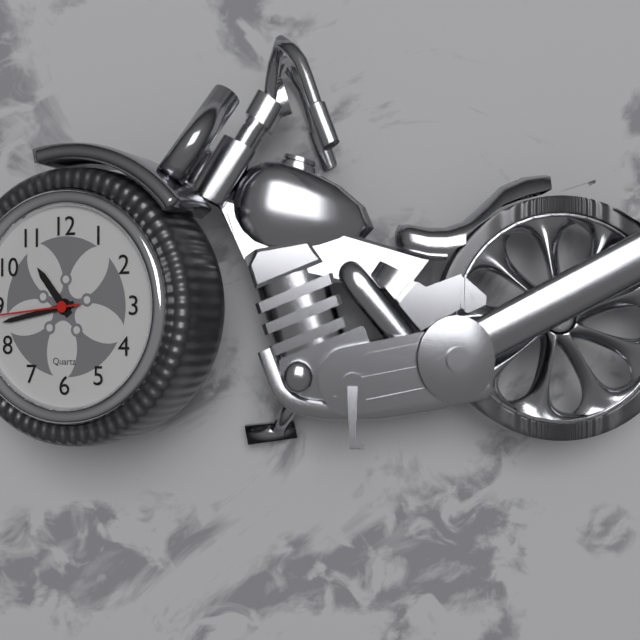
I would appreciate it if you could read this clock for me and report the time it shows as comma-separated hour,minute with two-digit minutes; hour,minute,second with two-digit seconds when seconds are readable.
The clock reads 10,43
